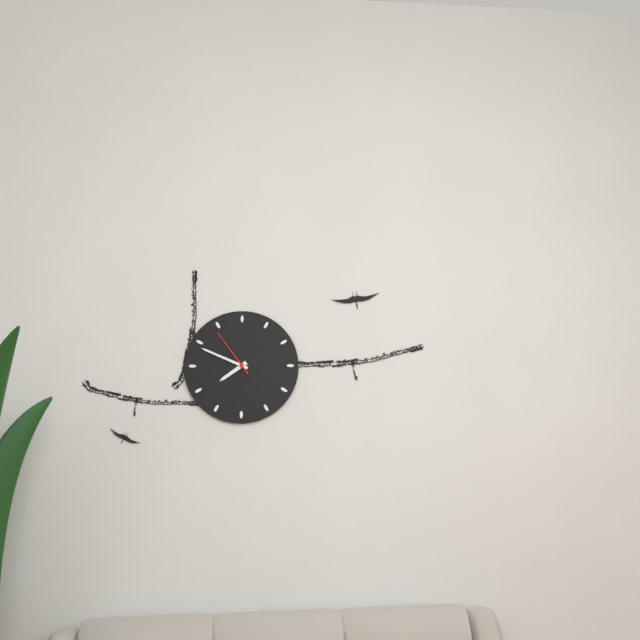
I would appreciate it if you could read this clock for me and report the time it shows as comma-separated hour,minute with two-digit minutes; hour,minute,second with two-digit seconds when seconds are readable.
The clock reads 7,49,54
